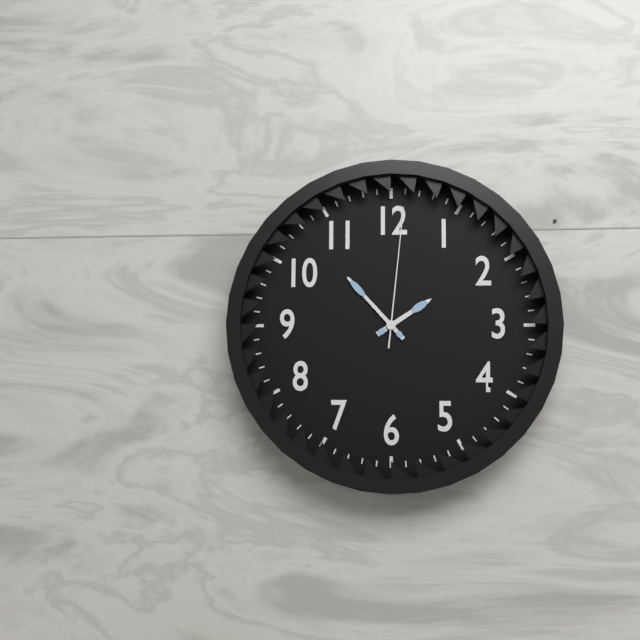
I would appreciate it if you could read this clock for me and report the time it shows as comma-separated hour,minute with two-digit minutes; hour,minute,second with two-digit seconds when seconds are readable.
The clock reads 1,53,01
